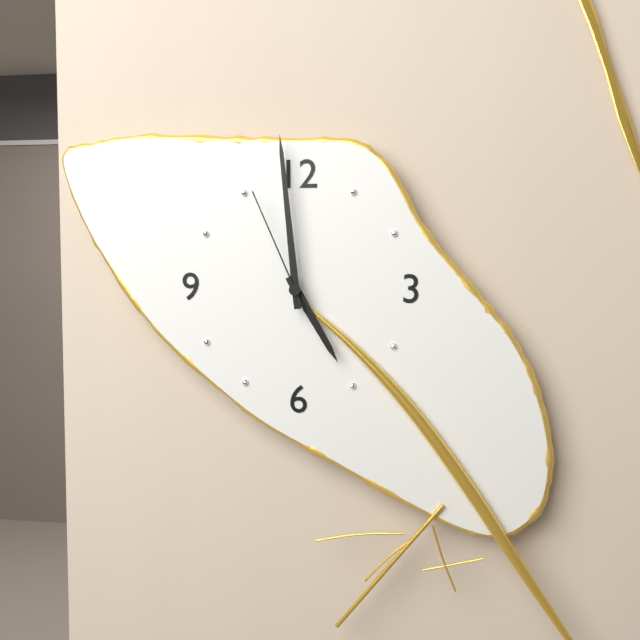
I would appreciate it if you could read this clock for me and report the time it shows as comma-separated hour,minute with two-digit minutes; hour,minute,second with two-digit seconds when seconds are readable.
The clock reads 4,59,56
